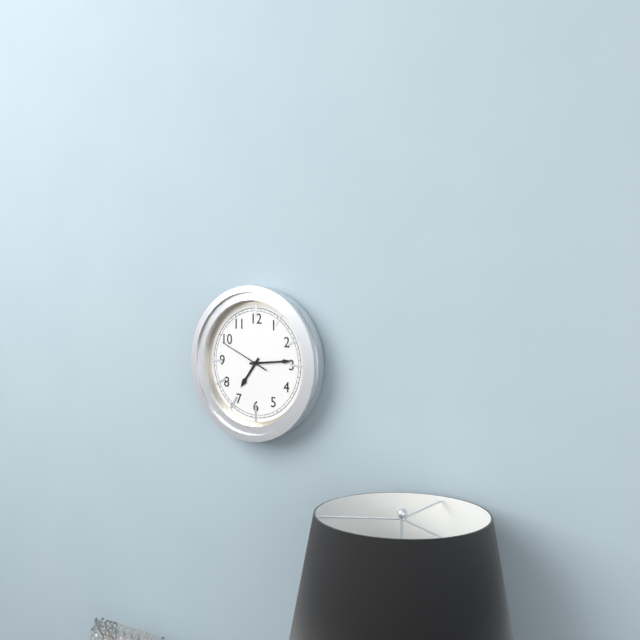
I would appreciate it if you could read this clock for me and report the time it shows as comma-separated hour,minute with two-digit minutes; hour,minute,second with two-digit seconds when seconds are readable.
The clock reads 7,14,49
